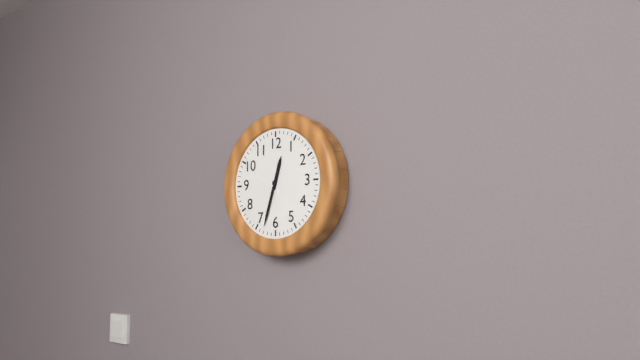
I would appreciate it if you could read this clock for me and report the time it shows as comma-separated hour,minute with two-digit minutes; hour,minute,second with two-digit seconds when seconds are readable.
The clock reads 12,33
